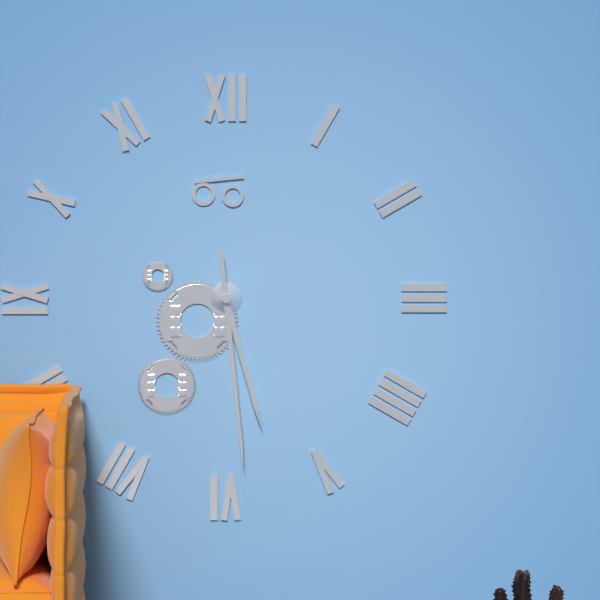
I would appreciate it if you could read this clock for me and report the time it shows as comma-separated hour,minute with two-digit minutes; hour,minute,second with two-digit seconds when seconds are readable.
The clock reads 5,29
